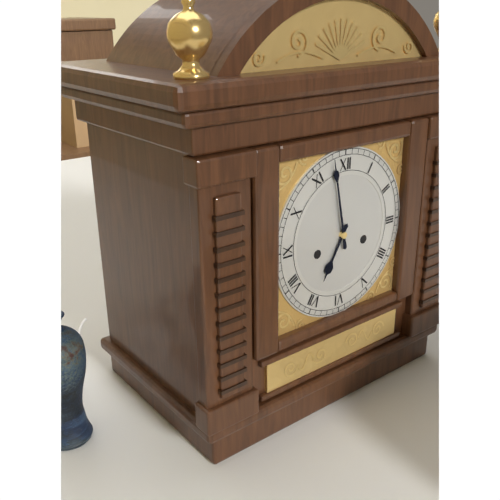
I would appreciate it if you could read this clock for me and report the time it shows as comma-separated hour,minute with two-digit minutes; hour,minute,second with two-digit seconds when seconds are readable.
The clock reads 6,58
